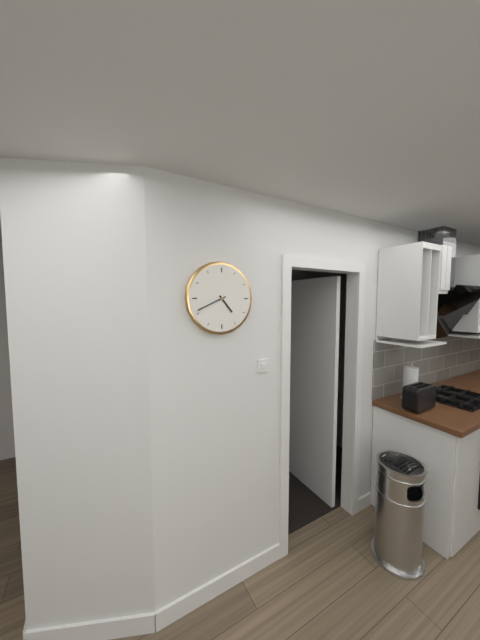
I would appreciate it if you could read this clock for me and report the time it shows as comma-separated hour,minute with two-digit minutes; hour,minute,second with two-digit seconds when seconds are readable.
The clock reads 4,41
